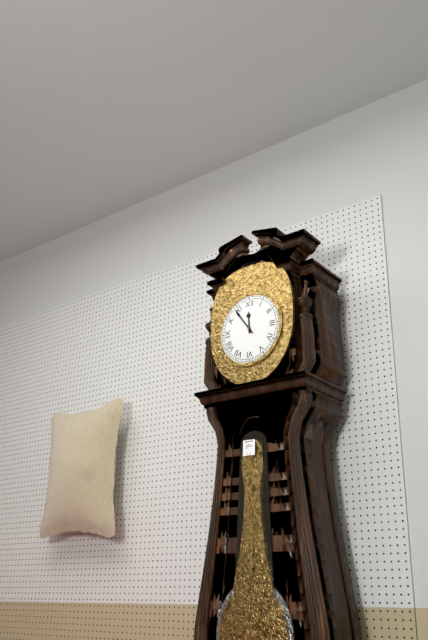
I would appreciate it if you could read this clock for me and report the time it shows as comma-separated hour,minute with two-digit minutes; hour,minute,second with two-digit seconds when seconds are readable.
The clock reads 11,54
